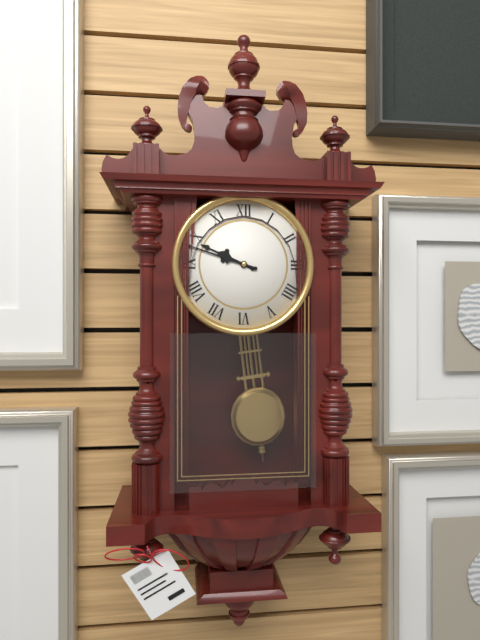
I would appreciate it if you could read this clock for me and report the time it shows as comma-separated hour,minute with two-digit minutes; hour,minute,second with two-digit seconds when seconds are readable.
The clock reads 9,48
